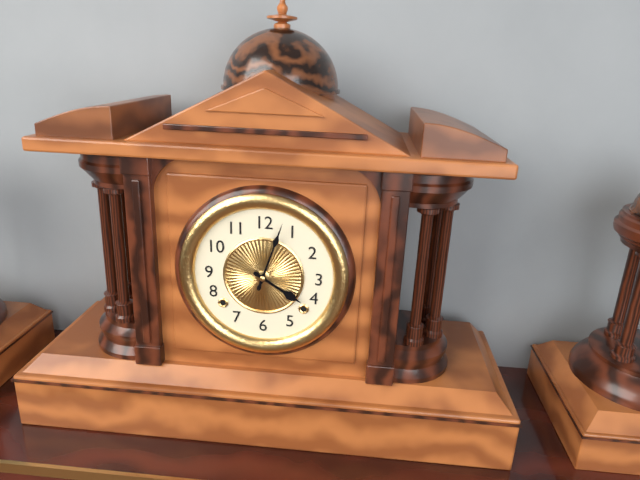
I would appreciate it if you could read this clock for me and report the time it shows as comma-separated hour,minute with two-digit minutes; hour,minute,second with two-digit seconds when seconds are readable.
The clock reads 4,03
